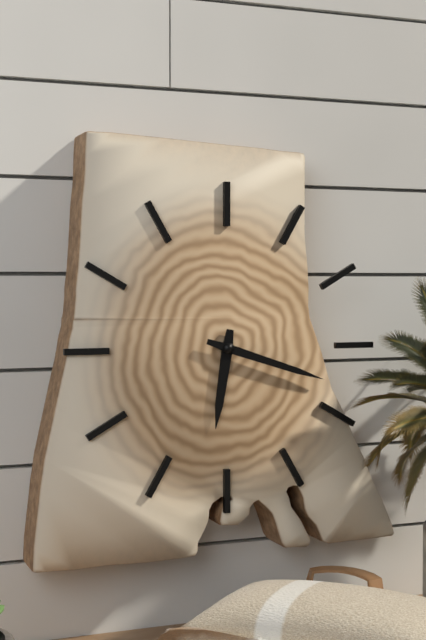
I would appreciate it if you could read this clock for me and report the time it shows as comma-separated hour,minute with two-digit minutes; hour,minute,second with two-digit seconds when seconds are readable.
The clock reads 6,18
